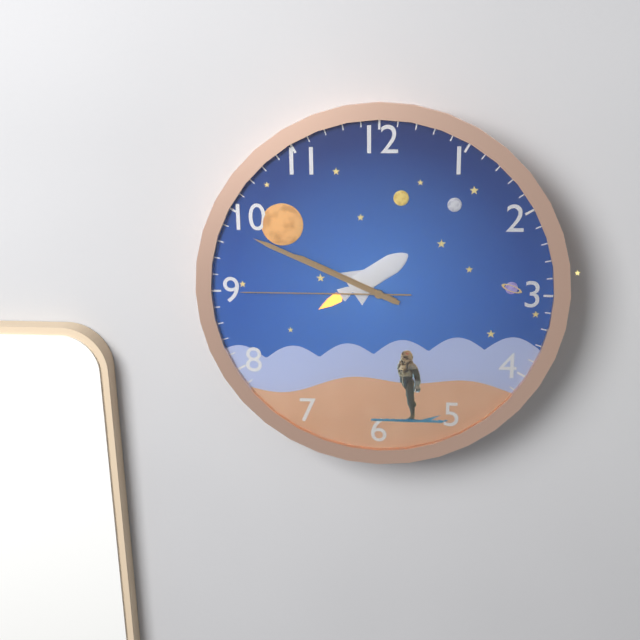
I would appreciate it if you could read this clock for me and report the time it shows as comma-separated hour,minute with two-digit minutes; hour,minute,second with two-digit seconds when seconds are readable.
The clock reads 9,49,45
